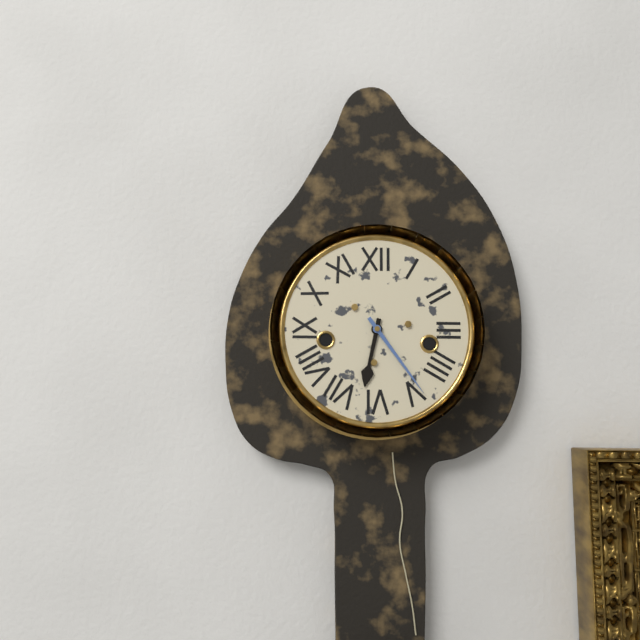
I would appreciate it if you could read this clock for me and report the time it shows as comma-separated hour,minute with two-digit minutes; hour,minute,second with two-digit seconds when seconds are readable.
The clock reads 6,24
